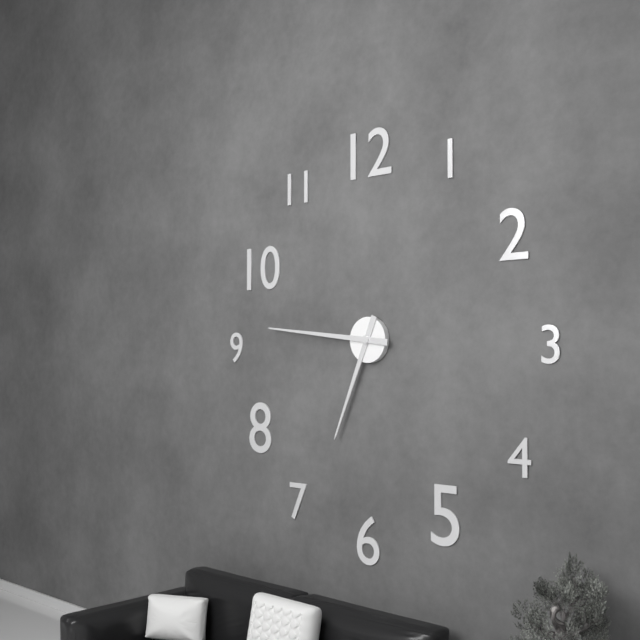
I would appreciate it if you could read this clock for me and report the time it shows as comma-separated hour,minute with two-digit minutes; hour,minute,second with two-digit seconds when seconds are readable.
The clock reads 6,46
